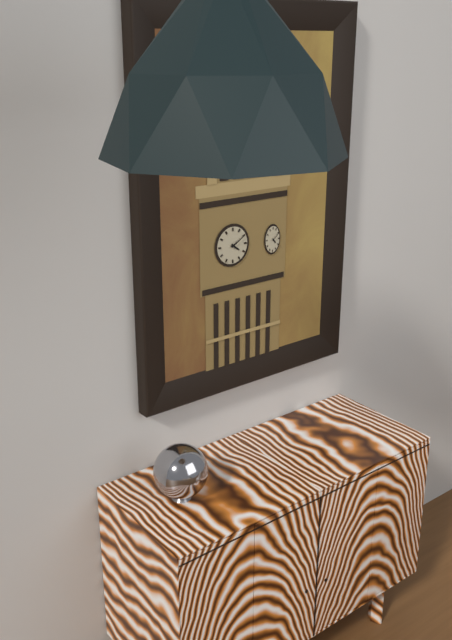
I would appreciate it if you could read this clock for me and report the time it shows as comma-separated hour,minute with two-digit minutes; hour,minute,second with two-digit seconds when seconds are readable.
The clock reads 4,10
